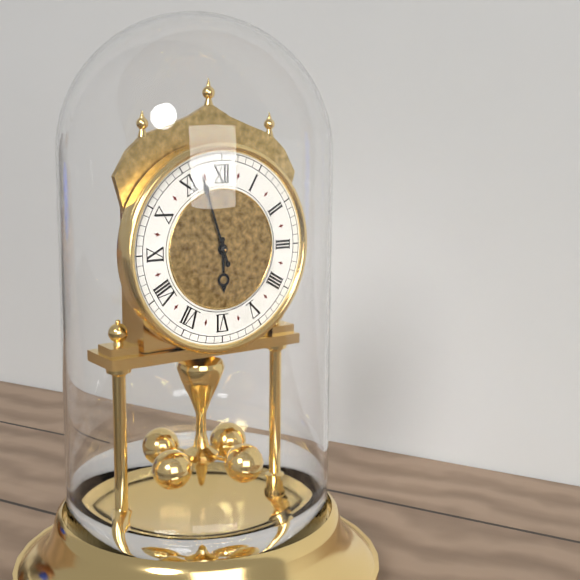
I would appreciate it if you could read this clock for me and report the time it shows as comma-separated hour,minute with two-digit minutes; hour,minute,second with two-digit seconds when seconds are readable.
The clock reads 5,57
